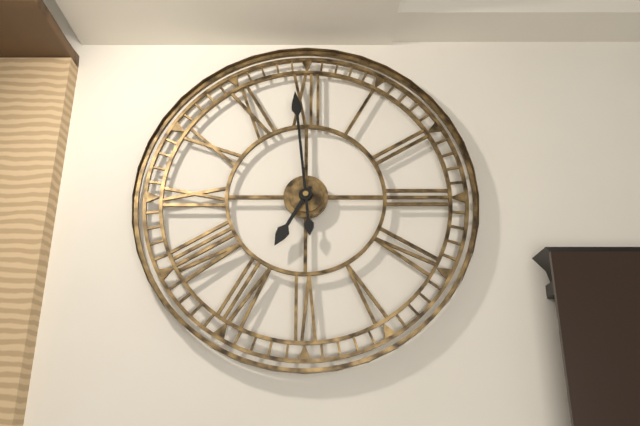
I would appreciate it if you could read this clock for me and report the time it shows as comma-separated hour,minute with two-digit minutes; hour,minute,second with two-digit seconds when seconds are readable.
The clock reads 6,59
